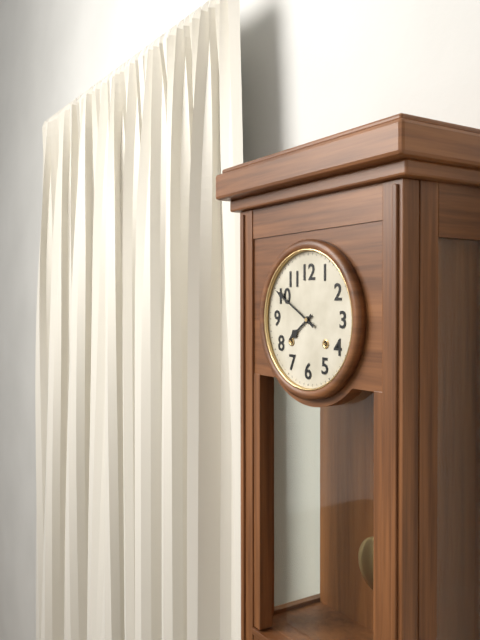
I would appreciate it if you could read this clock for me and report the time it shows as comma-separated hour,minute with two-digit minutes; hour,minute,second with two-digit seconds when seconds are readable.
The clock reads 7,50
